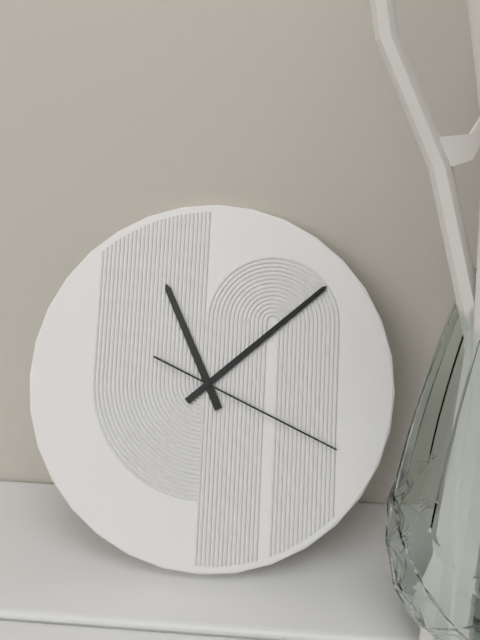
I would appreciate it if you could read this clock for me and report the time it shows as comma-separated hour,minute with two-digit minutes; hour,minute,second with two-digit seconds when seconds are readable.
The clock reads 11,08,19
